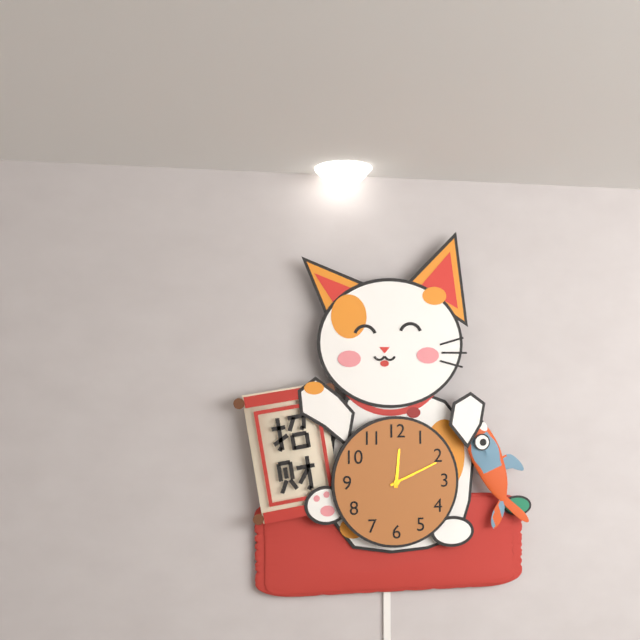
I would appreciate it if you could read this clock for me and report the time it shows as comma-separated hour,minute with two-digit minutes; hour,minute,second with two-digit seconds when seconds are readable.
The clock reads 12,11
